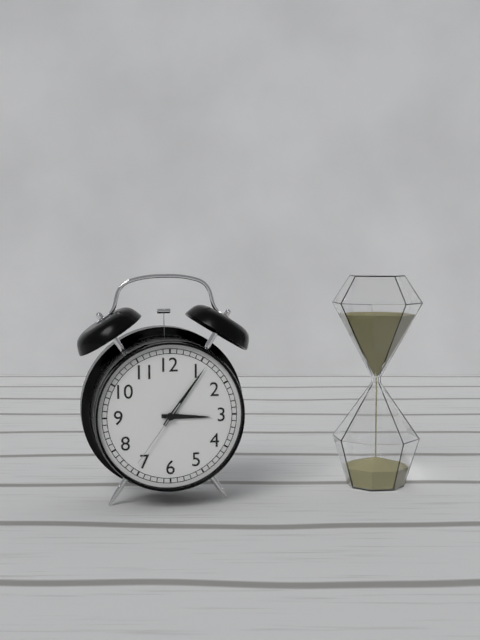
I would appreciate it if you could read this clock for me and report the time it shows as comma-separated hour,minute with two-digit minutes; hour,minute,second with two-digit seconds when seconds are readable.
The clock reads 3,06,36
